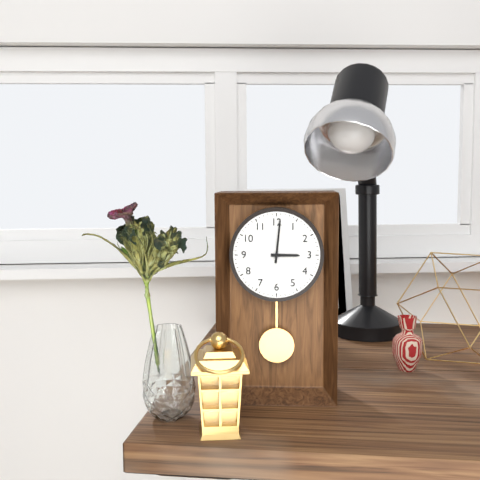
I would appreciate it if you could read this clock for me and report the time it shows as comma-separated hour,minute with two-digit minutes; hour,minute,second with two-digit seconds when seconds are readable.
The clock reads 3,01
